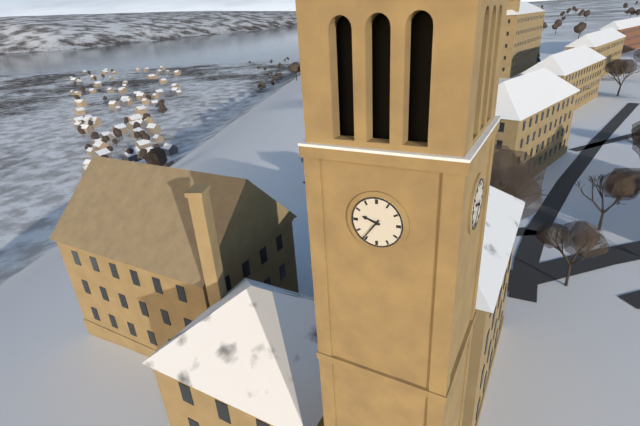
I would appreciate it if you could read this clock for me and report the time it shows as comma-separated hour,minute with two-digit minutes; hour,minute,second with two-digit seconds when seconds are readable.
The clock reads 9,36
